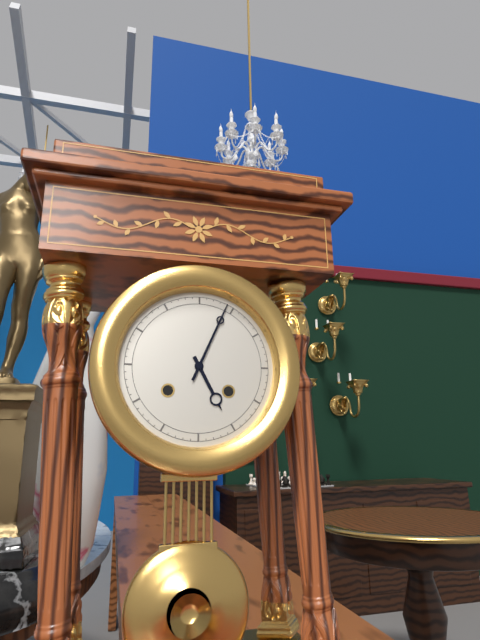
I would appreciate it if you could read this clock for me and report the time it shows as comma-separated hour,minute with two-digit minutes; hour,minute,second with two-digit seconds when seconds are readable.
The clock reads 5,04
